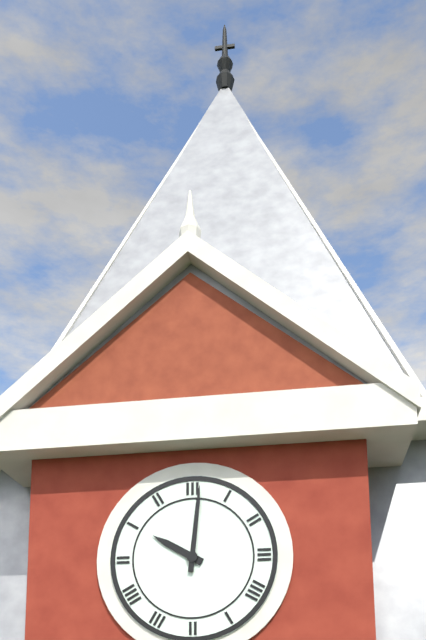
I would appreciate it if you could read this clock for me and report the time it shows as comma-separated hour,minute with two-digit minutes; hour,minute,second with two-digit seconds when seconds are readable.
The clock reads 10,01
